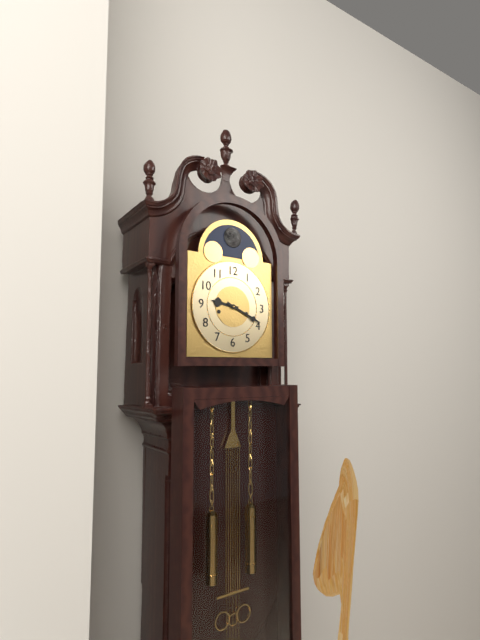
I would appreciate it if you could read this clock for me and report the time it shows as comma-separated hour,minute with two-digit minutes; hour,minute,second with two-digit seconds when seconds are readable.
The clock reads 9,19
